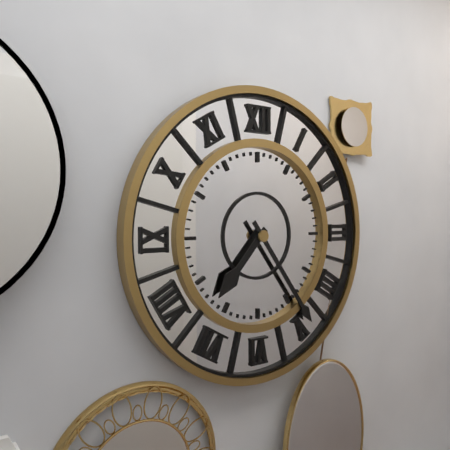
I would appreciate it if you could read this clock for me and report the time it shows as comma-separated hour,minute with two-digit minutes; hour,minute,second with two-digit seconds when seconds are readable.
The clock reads 7,24
